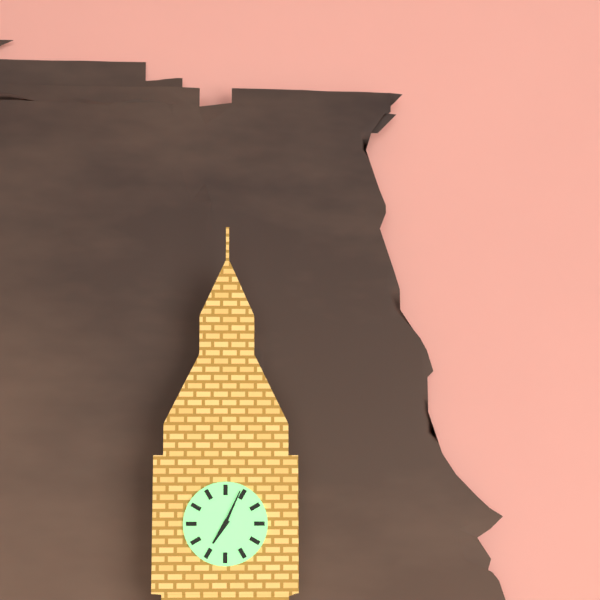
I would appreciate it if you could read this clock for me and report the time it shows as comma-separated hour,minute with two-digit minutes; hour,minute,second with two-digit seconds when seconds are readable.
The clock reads 7,04
